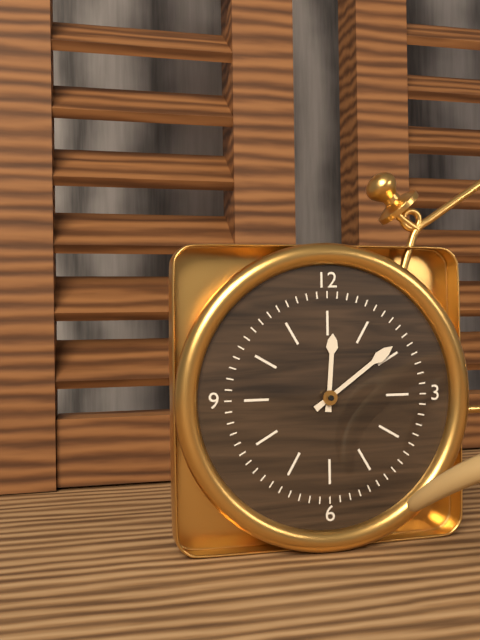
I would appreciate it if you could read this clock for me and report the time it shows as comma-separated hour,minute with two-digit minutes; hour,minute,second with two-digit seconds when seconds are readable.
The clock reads 12,09
